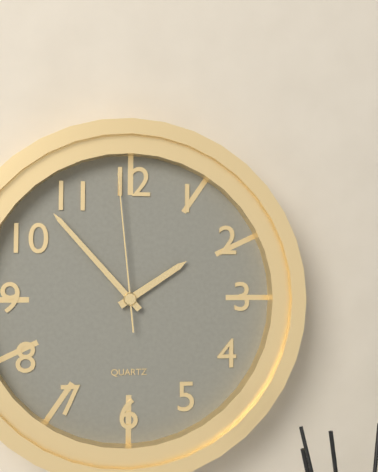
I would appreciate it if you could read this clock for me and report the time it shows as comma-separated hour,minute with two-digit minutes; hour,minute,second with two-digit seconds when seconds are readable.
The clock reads 1,53,59
